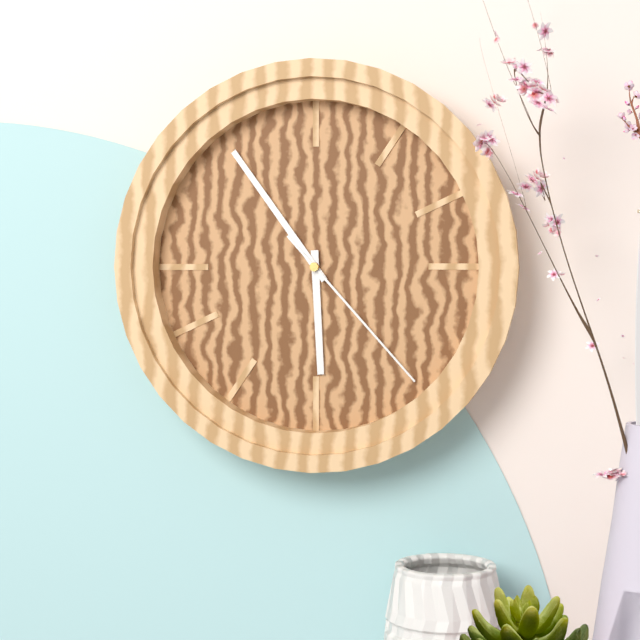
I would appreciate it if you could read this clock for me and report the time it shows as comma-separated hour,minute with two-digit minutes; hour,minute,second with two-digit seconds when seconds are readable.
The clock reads 5,54,23
